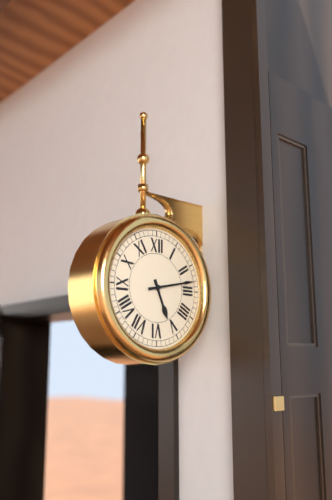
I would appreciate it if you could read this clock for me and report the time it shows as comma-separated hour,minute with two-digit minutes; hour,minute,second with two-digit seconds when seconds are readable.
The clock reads 5,13
